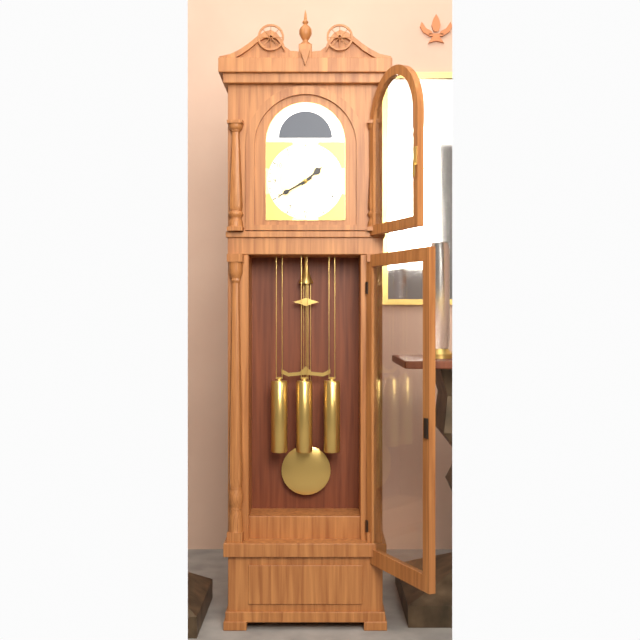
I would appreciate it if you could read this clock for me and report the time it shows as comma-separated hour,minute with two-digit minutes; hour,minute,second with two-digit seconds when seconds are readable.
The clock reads 1,40
